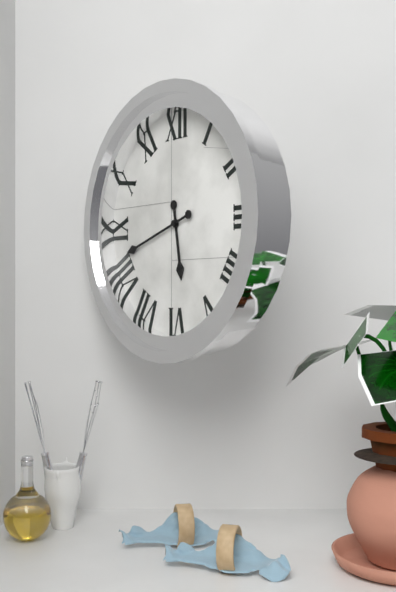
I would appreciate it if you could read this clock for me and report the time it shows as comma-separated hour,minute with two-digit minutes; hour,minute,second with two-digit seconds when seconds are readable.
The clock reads 5,42
